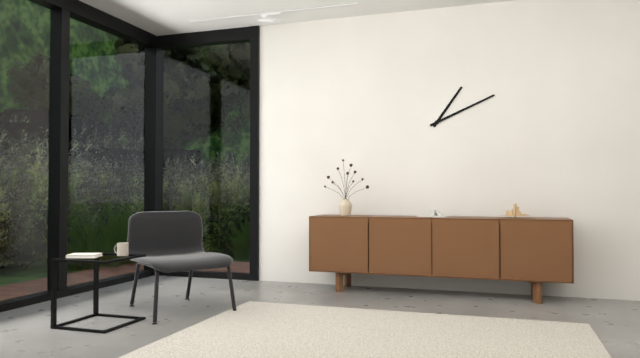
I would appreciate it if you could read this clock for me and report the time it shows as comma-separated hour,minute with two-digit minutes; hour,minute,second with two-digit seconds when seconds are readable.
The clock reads 1,11
